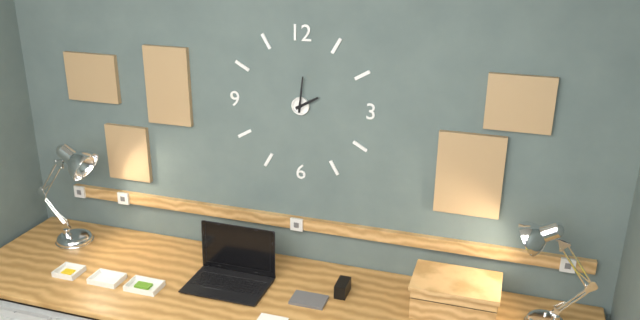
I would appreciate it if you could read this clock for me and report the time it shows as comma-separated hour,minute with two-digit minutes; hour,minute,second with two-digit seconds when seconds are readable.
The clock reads 2,01
